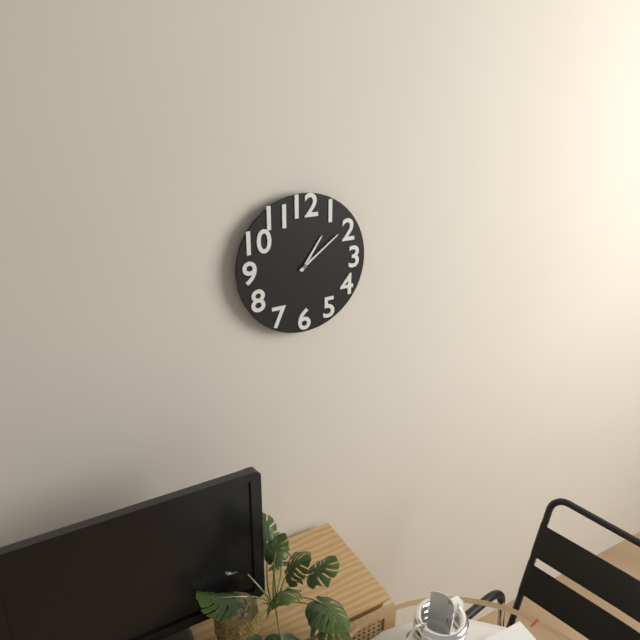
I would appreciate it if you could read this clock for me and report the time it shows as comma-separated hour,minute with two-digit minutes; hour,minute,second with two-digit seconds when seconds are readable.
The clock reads 1,09
